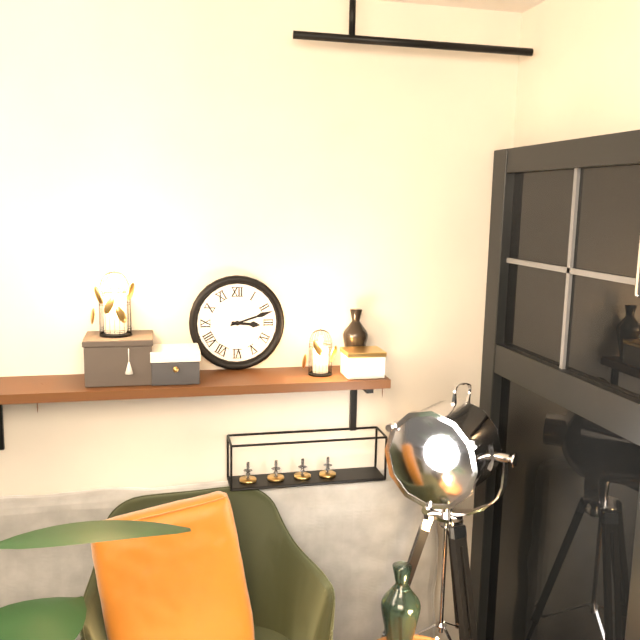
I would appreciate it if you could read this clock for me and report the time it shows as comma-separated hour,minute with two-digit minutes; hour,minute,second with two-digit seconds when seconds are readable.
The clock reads 3,12
